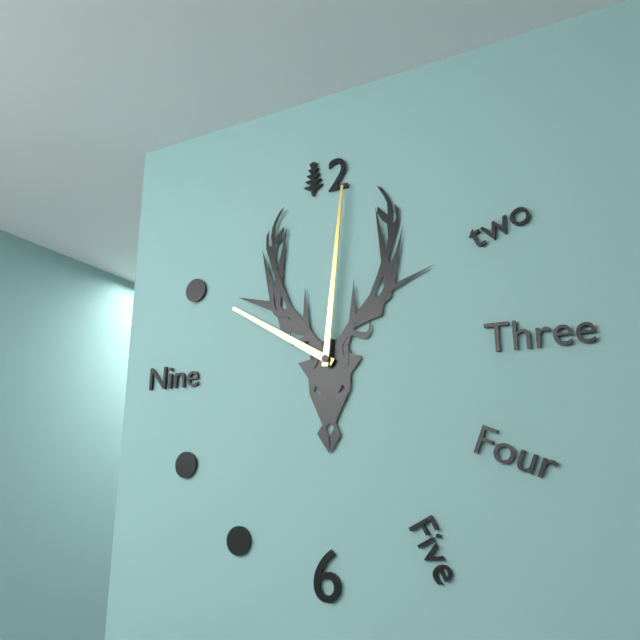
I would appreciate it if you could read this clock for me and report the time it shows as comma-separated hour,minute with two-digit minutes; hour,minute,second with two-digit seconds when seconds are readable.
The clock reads 10,01
